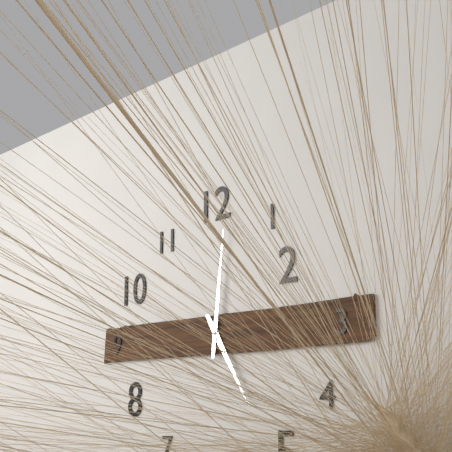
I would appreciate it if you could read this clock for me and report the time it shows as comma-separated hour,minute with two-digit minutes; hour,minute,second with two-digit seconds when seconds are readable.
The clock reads 5,01
